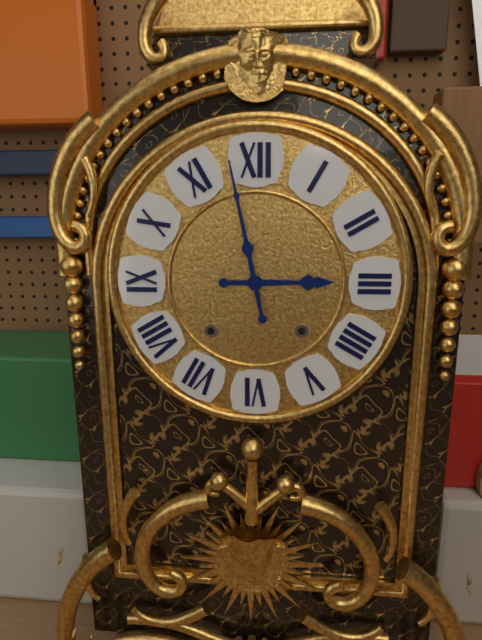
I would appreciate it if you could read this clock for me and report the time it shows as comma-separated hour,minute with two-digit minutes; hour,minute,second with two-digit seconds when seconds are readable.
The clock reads 2,58
